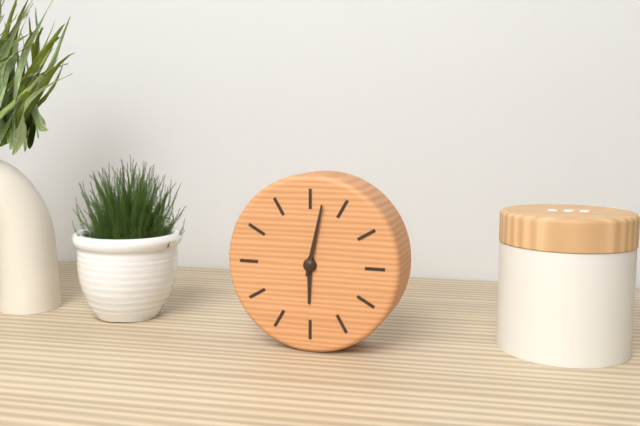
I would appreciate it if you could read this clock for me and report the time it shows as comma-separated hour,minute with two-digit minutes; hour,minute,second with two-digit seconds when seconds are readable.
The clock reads 6,02
